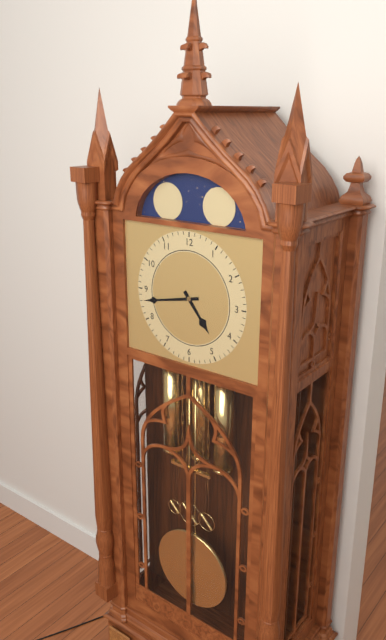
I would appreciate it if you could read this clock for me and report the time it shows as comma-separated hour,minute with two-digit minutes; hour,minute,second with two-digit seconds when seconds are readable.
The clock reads 4,43
